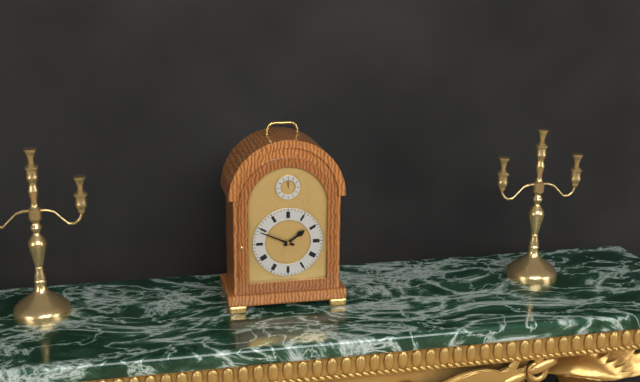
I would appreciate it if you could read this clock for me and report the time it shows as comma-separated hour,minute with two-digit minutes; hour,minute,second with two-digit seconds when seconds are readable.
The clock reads 1,49
